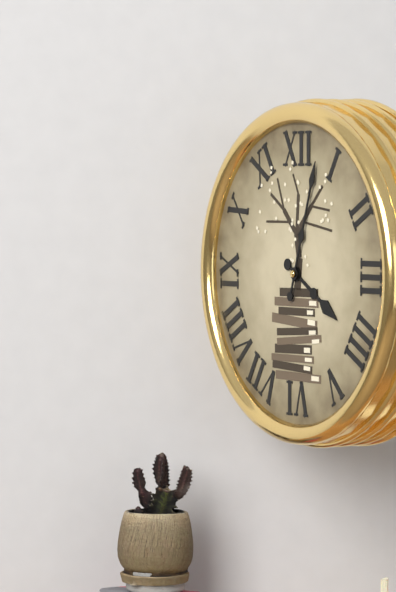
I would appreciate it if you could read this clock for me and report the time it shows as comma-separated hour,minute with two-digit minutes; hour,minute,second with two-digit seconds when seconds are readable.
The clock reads 4,03
